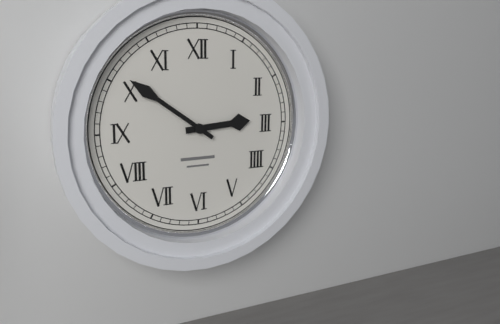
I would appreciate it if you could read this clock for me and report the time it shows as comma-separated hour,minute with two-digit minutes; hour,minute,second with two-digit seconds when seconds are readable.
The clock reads 2,51
